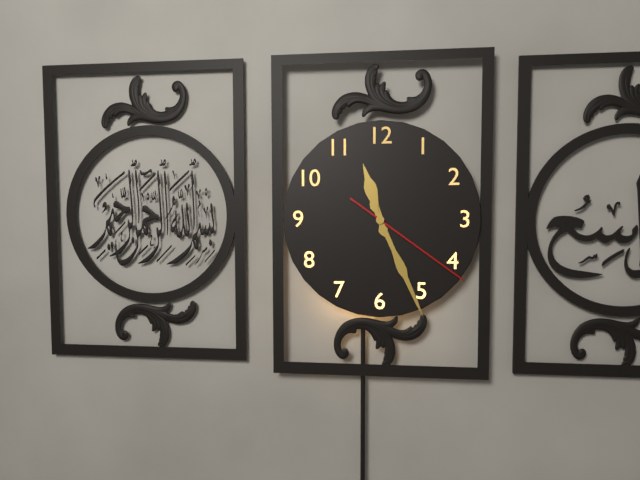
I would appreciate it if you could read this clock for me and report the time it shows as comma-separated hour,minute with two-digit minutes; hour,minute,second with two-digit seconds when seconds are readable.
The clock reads 11,26,21
